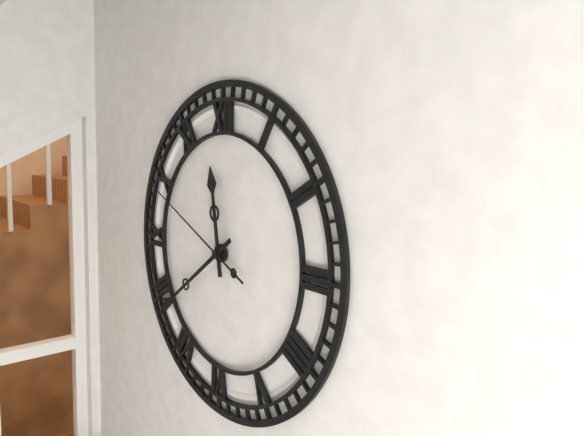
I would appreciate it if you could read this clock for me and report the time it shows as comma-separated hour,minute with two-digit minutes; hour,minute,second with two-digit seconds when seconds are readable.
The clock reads 11,39,49
